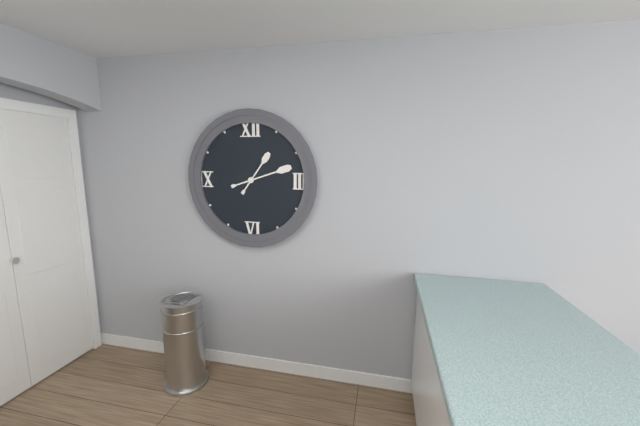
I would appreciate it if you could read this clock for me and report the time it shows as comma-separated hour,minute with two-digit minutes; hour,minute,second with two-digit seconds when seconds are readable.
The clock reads 1,12
